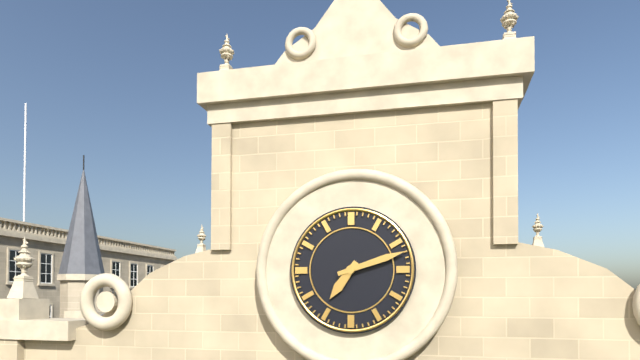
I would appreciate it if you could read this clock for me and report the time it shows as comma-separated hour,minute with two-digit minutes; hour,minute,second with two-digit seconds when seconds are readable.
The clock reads 7,12
